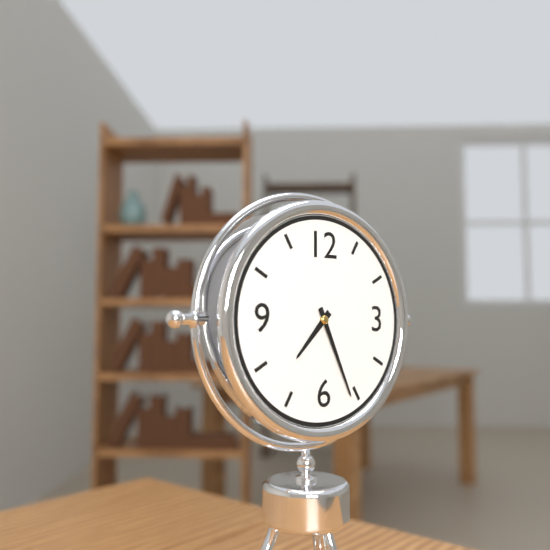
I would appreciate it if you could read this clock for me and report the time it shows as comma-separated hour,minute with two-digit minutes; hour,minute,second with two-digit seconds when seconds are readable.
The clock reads 7,26
